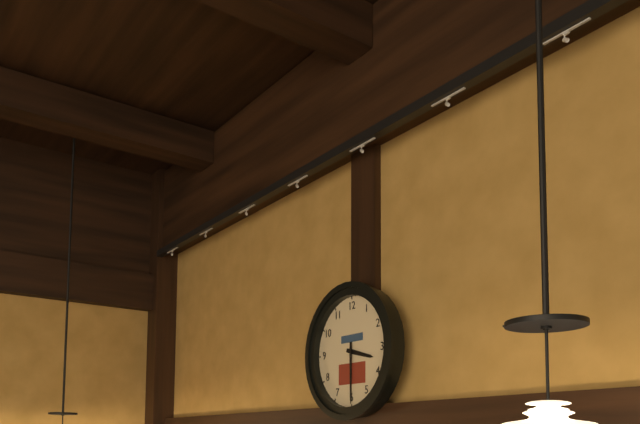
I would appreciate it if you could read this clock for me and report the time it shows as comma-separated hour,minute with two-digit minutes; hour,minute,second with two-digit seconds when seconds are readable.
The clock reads 3,30
